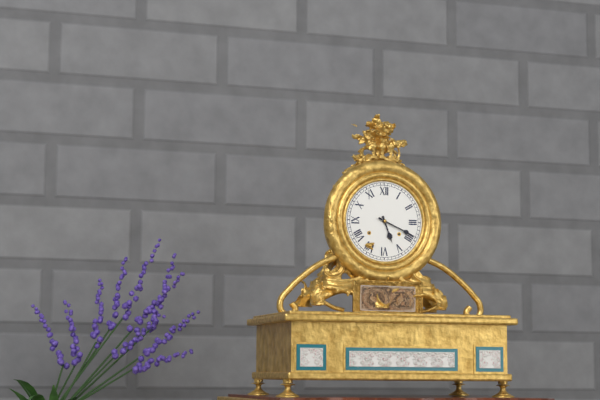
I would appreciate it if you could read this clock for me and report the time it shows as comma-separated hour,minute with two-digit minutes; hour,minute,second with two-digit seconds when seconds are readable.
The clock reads 5,19
